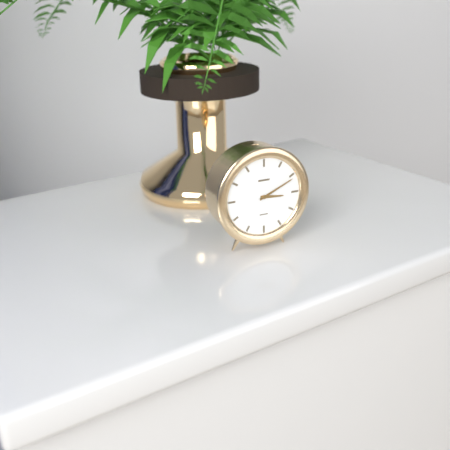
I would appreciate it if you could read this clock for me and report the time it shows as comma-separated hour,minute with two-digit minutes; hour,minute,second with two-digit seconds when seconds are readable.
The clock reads 3,11
